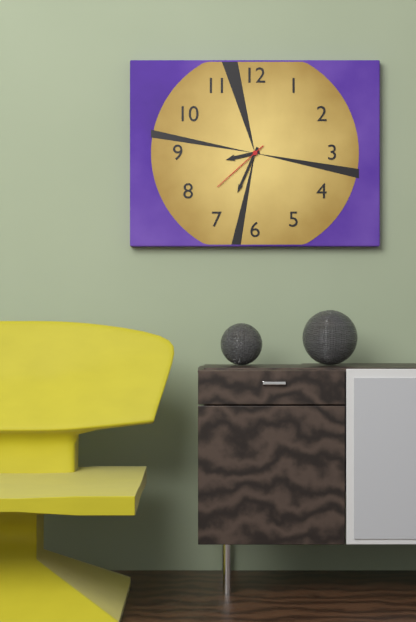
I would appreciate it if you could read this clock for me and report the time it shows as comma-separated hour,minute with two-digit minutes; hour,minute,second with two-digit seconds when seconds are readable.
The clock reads 8,34,38
